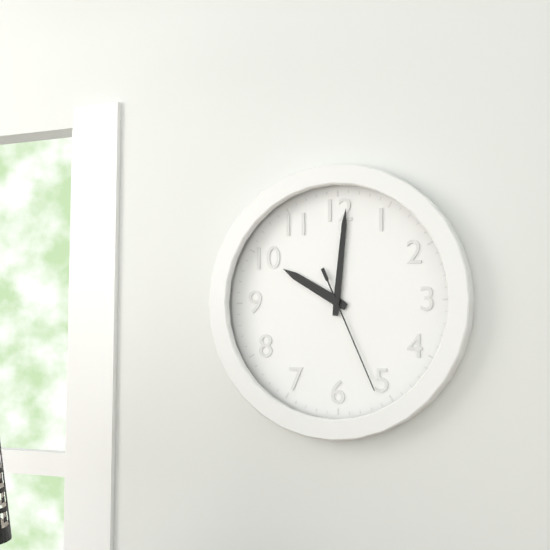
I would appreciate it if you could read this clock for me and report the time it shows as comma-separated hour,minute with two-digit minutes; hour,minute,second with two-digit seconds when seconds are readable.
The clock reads 10,01,26
